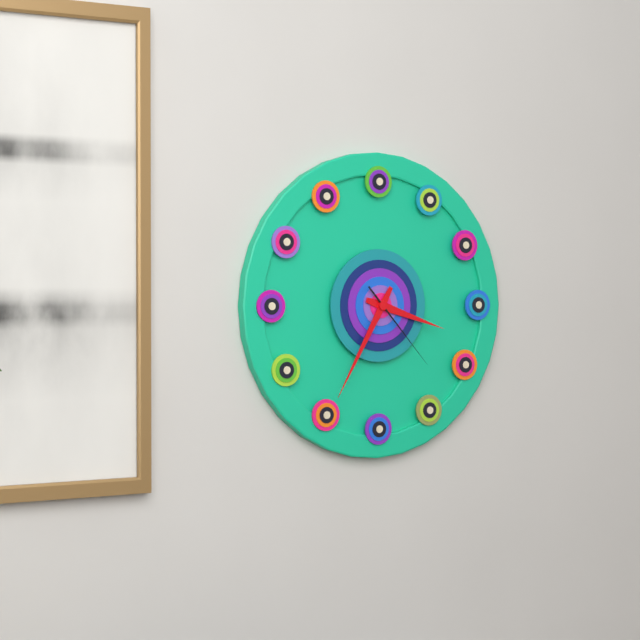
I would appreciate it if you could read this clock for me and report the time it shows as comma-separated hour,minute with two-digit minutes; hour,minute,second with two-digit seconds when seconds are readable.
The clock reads 3,35,23
